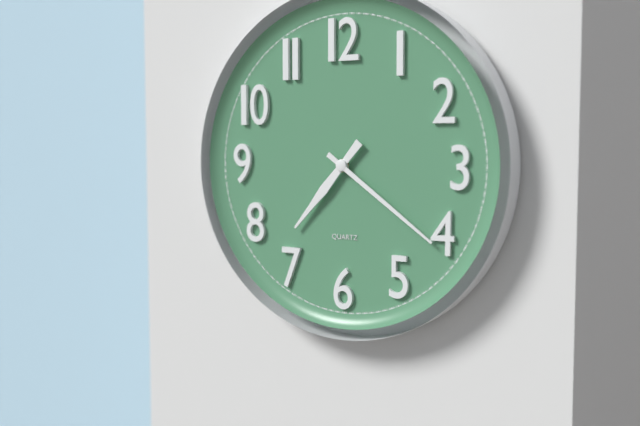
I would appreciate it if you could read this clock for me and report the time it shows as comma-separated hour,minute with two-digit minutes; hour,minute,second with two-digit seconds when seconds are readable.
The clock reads 7,21
